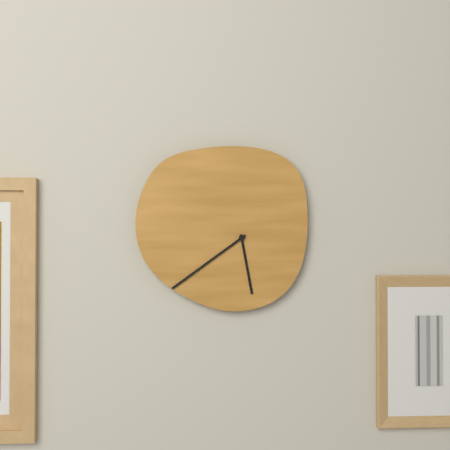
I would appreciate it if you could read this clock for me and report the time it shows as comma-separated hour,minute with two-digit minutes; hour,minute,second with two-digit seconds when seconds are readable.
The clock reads 5,39
